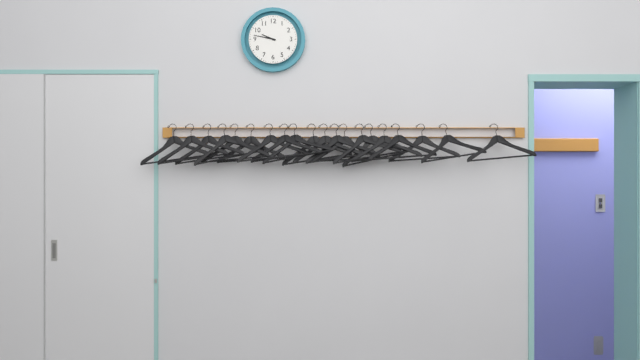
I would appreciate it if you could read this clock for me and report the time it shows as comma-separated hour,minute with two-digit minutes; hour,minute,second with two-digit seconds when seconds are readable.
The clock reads 9,47
